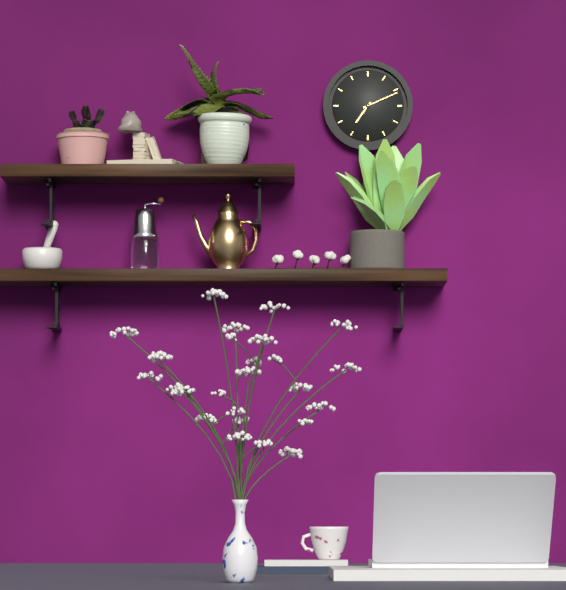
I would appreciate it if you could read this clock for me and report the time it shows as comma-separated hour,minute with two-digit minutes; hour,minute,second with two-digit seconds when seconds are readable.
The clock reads 7,11
